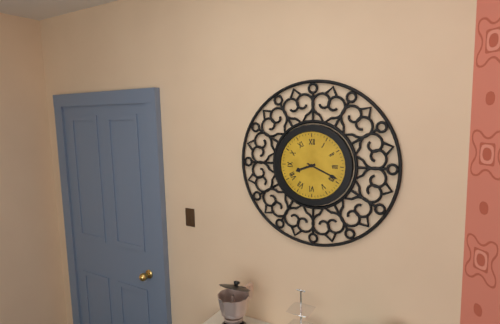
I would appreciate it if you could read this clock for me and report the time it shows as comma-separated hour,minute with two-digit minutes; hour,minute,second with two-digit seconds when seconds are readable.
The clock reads 8,19
